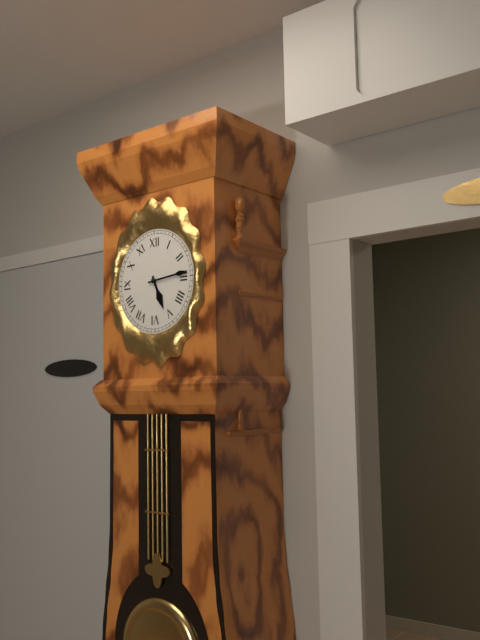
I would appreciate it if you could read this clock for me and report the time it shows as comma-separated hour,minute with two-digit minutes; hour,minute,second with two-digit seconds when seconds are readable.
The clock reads 5,14
